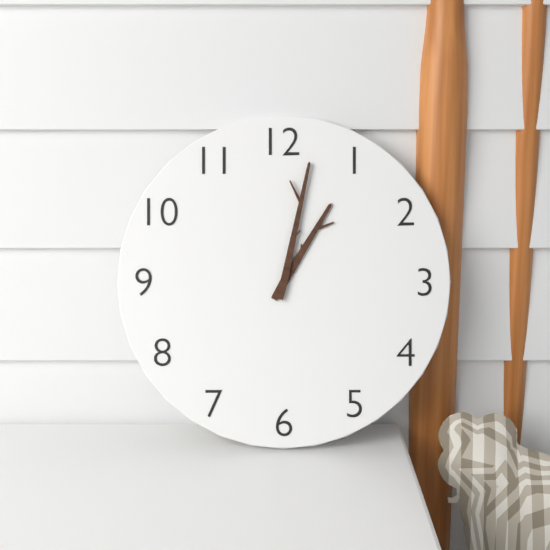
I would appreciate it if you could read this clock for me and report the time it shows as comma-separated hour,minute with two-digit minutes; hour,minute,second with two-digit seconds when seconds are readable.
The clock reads 1,02
